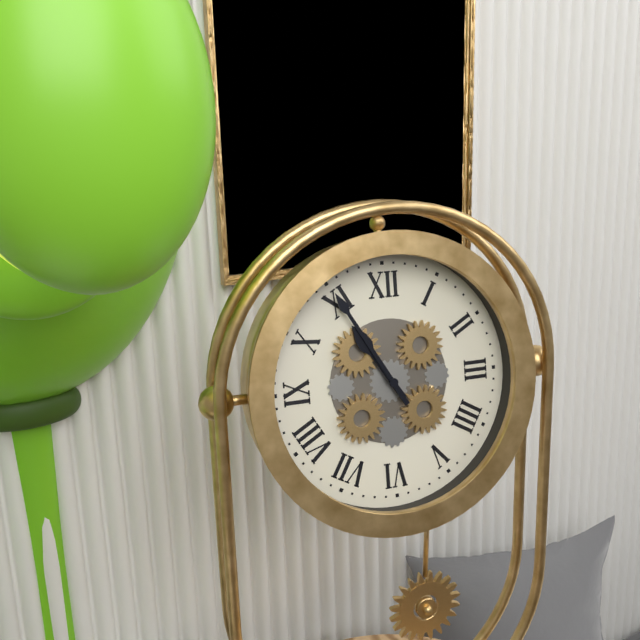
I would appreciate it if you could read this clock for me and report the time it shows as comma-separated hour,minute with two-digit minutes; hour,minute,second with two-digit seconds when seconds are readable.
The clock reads 10,55
